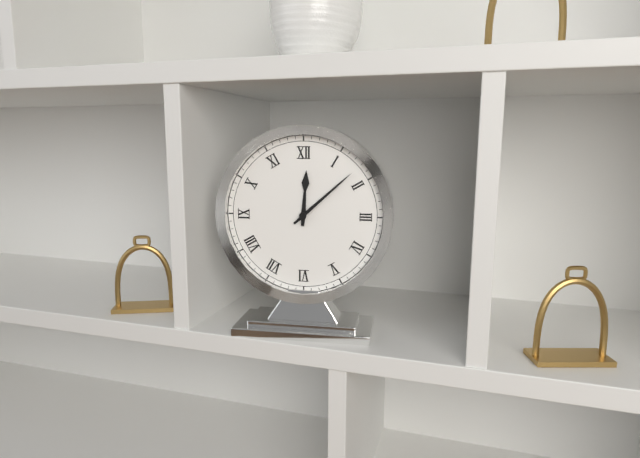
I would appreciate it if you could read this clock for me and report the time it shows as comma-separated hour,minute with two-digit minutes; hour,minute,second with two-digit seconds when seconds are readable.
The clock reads 12,08
